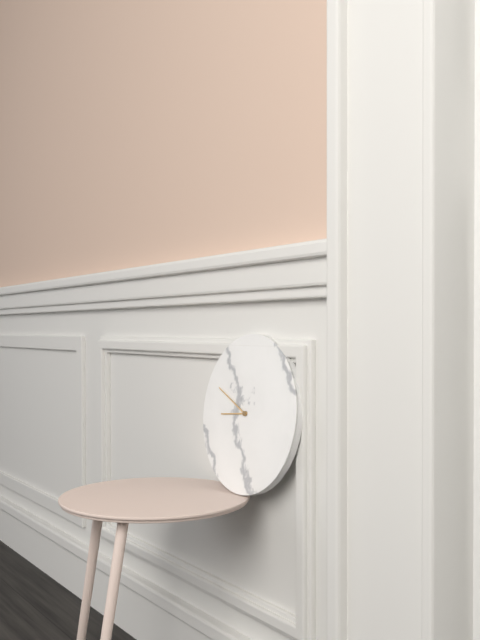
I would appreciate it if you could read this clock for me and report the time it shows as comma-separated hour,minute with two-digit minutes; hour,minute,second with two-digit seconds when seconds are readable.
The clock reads 8,49
